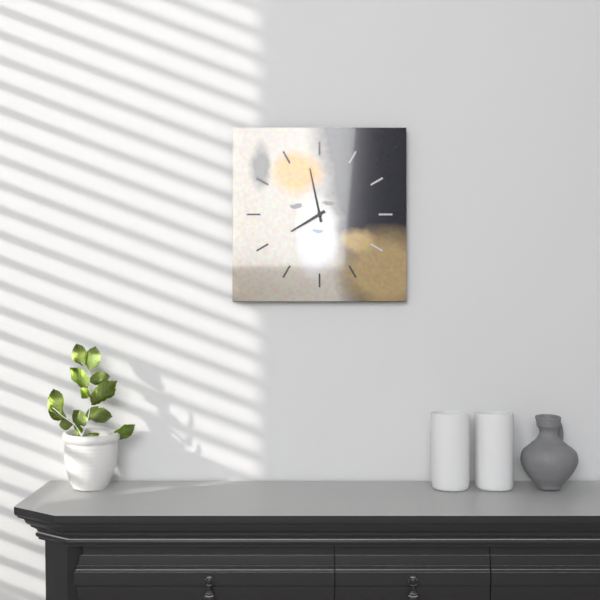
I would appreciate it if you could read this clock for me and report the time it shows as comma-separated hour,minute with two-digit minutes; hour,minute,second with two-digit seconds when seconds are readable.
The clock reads 7,58
